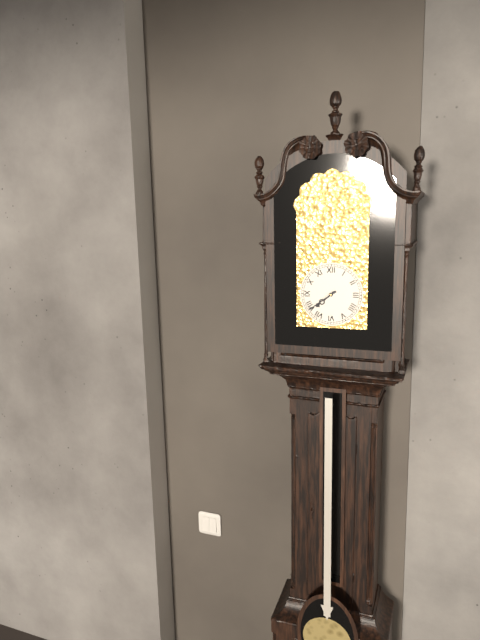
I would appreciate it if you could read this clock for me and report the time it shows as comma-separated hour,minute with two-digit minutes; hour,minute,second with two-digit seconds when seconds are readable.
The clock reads 7,39
